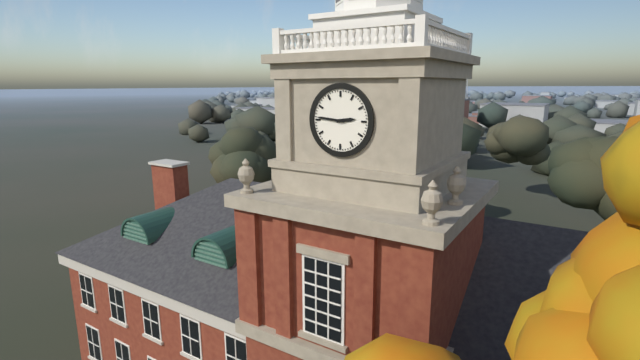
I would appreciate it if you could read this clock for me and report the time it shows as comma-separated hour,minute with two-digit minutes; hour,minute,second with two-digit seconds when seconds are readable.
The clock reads 2,46
